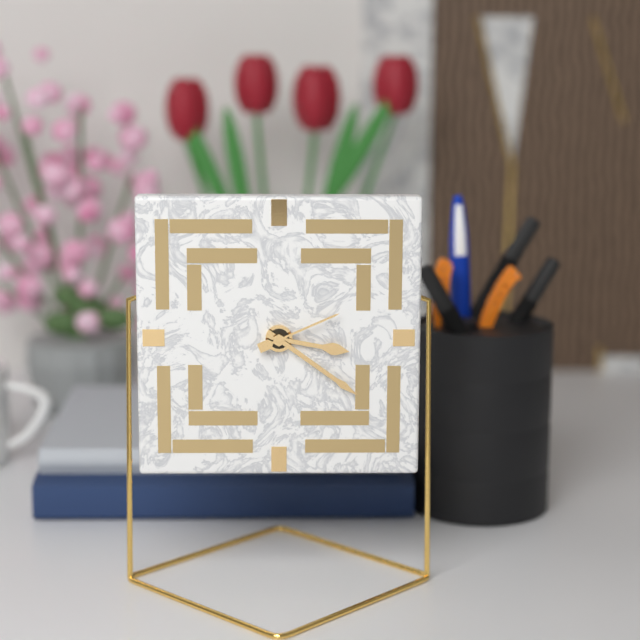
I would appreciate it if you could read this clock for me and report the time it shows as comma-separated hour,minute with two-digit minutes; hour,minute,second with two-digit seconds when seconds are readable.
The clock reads 3,21,11
